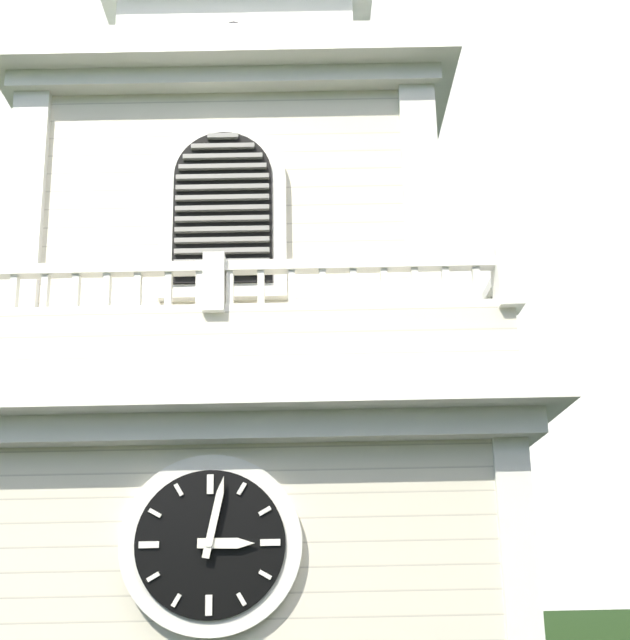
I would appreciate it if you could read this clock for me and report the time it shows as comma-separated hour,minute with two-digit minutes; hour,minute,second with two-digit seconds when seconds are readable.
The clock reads 3,02
